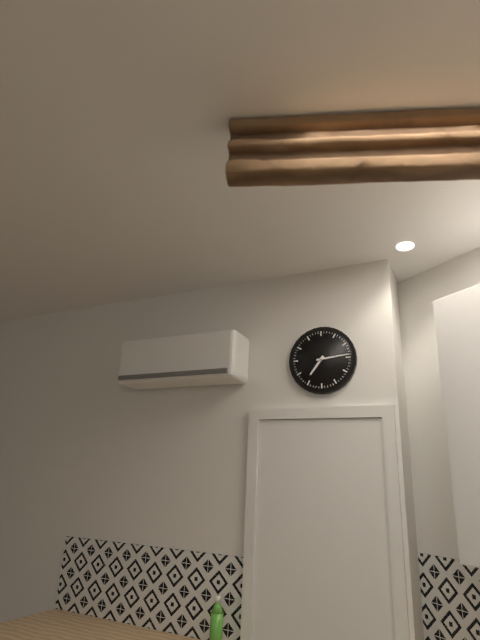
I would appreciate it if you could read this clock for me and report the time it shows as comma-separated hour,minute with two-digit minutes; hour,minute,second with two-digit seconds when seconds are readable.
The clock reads 7,14
